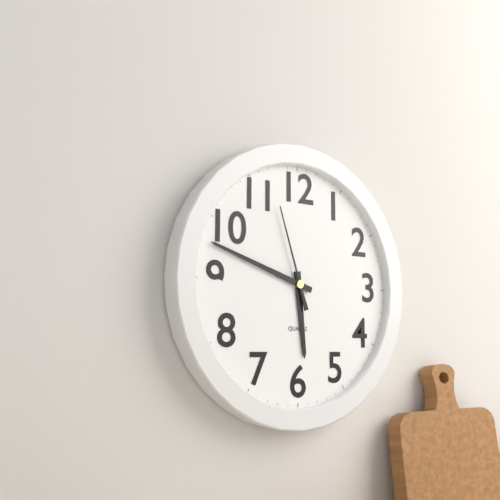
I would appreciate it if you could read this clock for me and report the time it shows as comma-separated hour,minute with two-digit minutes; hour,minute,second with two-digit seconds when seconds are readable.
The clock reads 5,48,57
